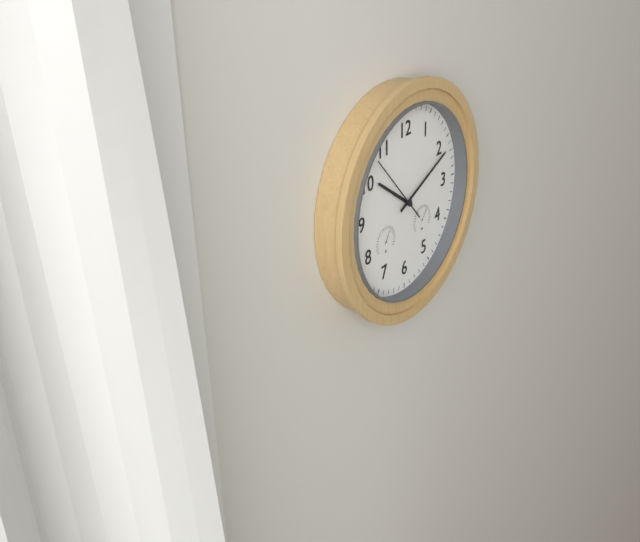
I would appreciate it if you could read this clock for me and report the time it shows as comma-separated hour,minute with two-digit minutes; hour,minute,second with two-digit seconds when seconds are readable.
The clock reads 10,11,53
